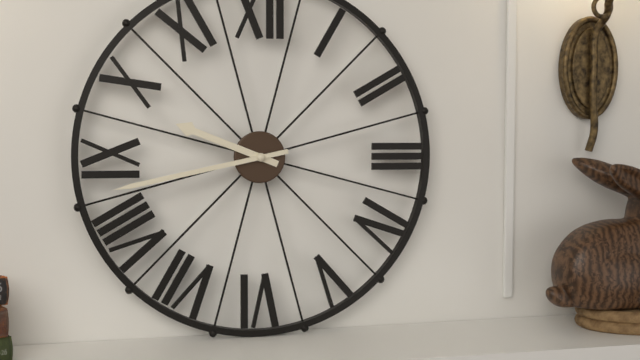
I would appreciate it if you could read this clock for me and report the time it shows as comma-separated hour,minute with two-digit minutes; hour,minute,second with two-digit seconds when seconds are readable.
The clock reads 9,43
